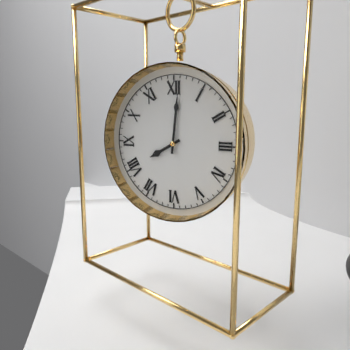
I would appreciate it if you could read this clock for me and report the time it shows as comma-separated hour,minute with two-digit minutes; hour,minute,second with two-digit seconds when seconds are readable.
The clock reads 8,01
